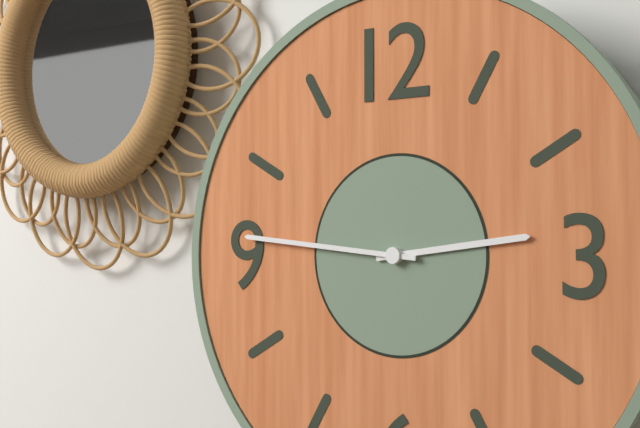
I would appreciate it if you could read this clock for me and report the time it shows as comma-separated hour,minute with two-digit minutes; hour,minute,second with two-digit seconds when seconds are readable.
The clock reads 2,46
